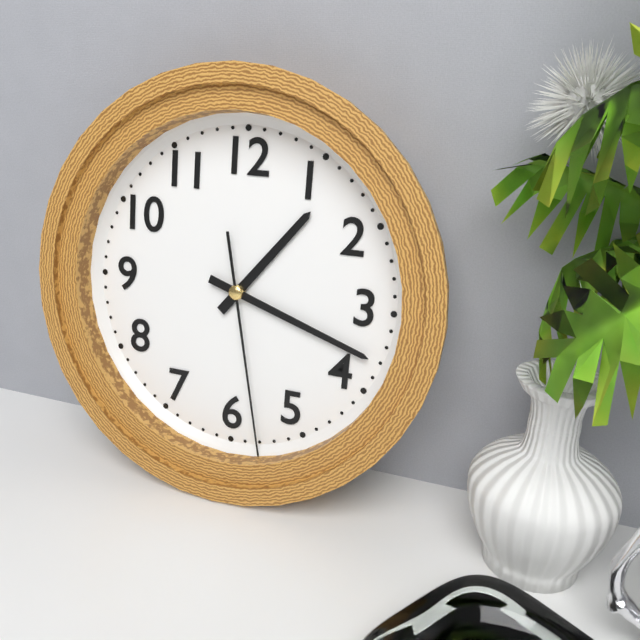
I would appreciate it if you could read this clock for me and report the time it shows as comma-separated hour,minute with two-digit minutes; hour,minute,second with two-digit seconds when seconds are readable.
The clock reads 1,18,28
